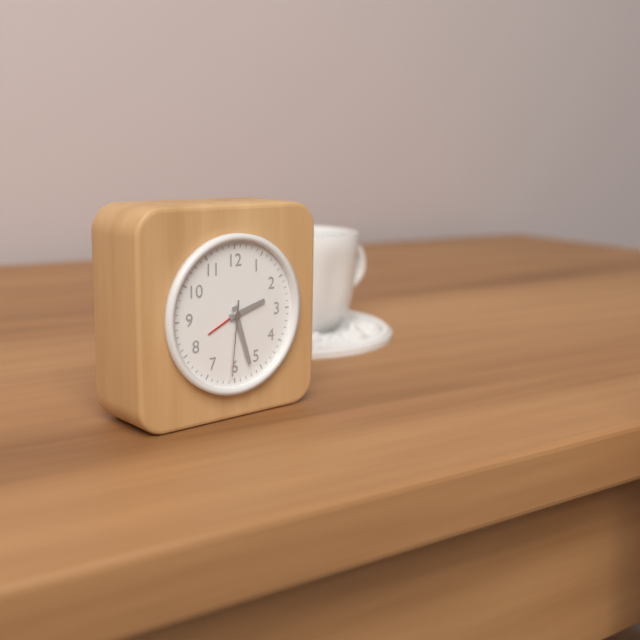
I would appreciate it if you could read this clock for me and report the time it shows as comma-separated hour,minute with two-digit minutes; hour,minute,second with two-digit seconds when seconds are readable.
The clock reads 2,27,31
